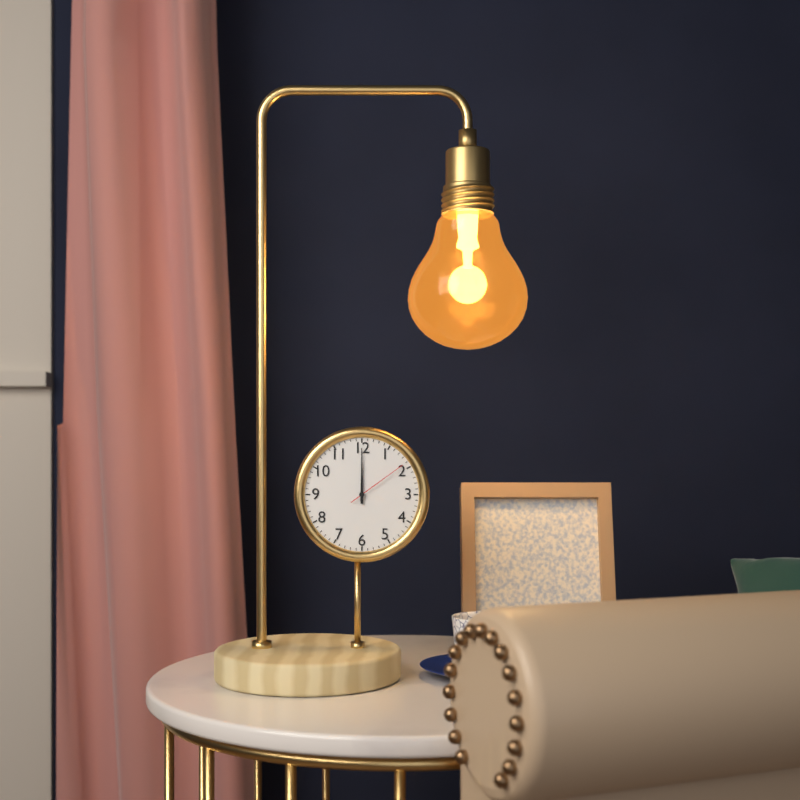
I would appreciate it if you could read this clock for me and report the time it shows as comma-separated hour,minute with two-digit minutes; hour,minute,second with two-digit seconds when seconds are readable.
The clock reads 12,00,09
